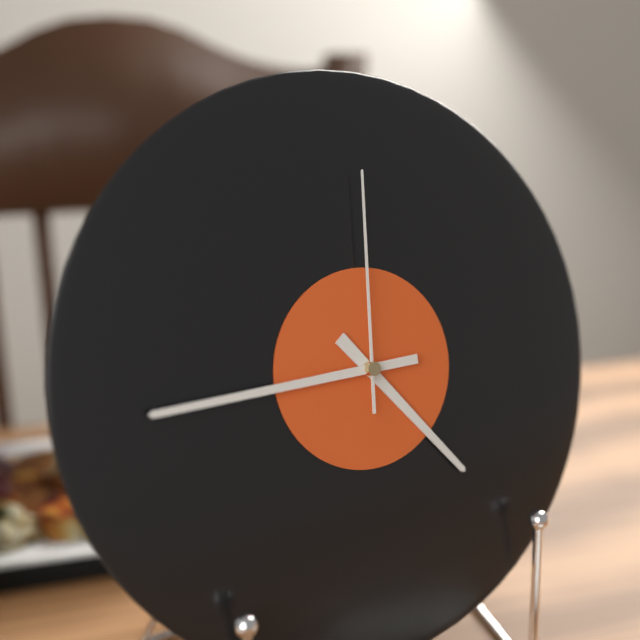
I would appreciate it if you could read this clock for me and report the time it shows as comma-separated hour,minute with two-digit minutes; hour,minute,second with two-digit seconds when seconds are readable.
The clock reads 4,45,01
